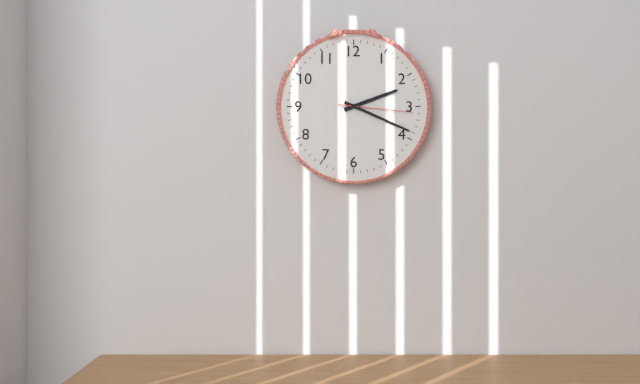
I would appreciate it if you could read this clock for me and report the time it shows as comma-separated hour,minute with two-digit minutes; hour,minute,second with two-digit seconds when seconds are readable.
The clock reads 2,19,16
